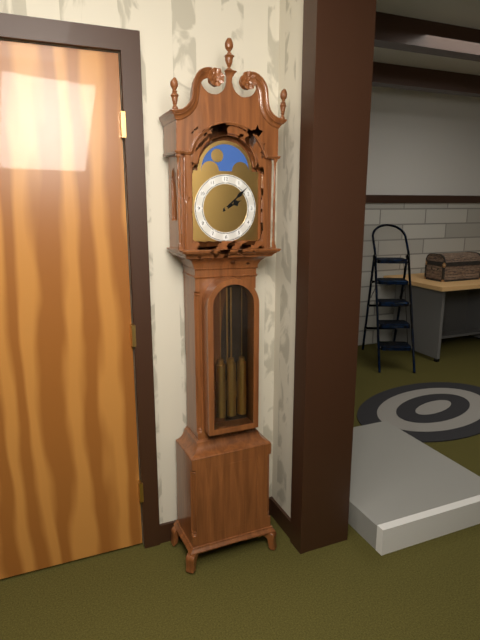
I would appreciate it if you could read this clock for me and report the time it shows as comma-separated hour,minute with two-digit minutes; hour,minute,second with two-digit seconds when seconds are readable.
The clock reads 2,08
